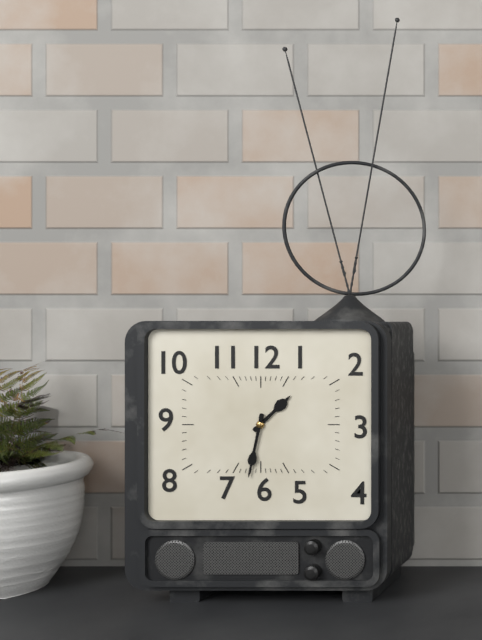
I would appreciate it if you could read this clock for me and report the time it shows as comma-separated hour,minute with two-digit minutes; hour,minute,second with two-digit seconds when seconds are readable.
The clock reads 1,32
